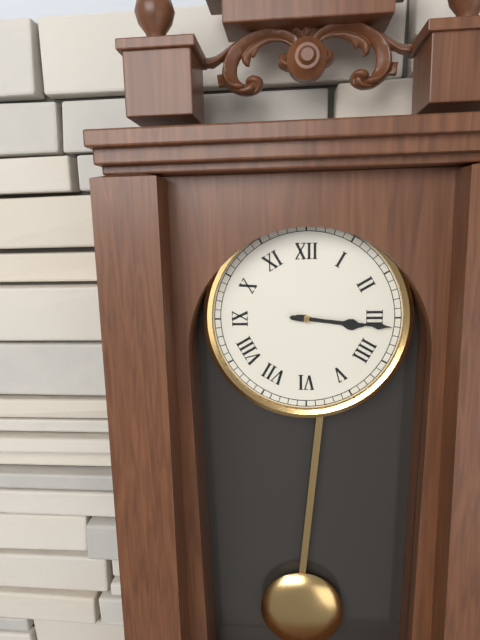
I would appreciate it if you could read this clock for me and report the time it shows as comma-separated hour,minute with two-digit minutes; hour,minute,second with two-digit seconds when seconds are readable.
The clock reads 3,16
